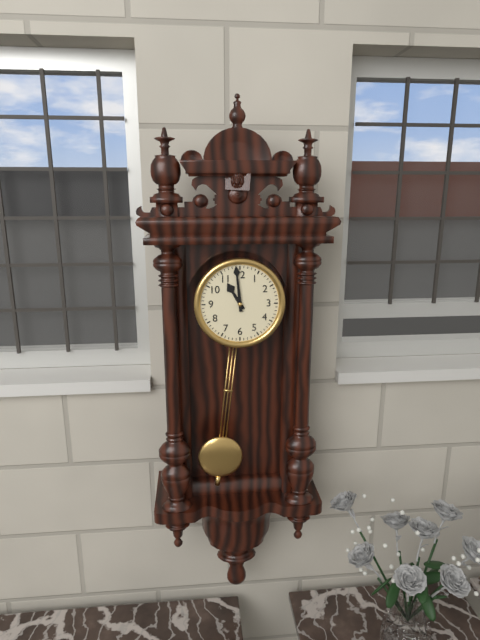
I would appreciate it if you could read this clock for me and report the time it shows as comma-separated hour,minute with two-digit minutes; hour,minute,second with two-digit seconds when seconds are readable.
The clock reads 10,59
